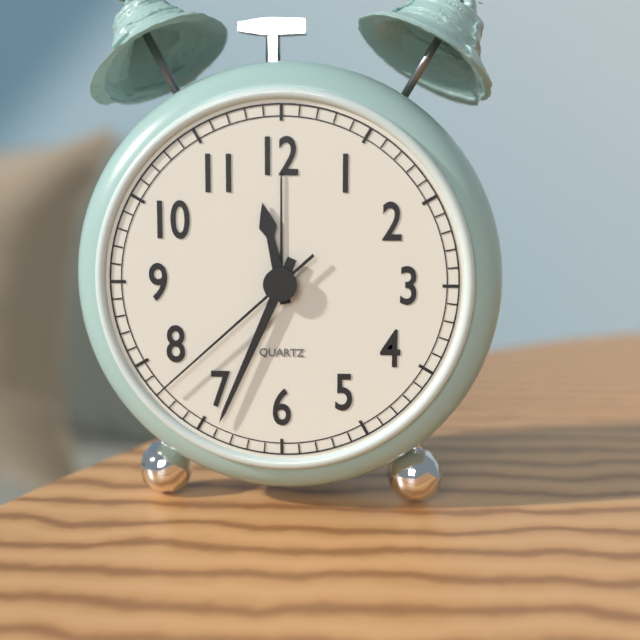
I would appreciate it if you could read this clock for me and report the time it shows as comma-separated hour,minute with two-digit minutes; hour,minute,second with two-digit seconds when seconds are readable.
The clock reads 11,34,38
